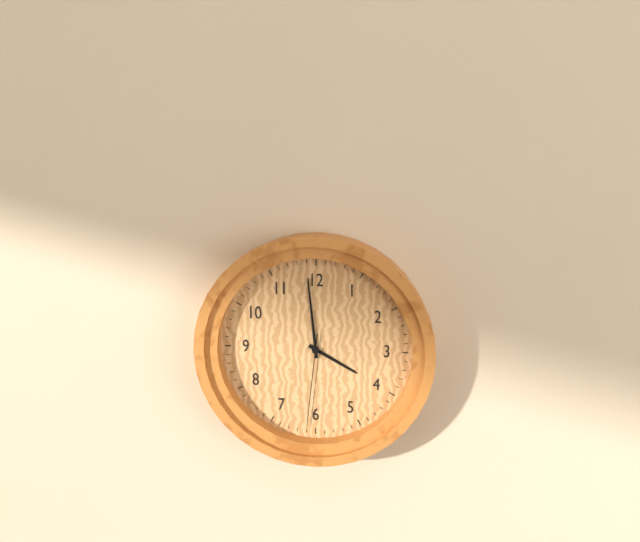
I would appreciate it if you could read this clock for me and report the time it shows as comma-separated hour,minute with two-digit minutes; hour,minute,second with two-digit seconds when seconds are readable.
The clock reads 3,59,31
